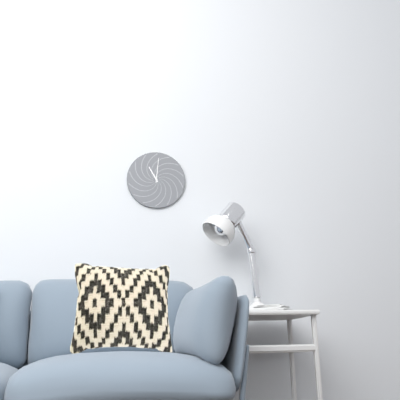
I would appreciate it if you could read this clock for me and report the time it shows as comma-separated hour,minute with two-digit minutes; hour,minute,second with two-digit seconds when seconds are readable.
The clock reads 11,01
